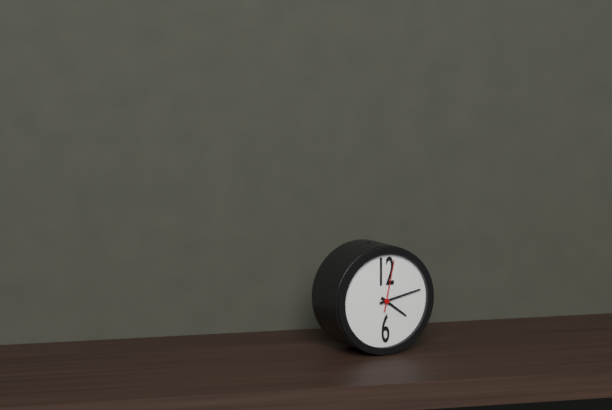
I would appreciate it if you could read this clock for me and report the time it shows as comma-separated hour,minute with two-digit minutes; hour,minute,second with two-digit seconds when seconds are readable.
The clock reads 4,13,02
